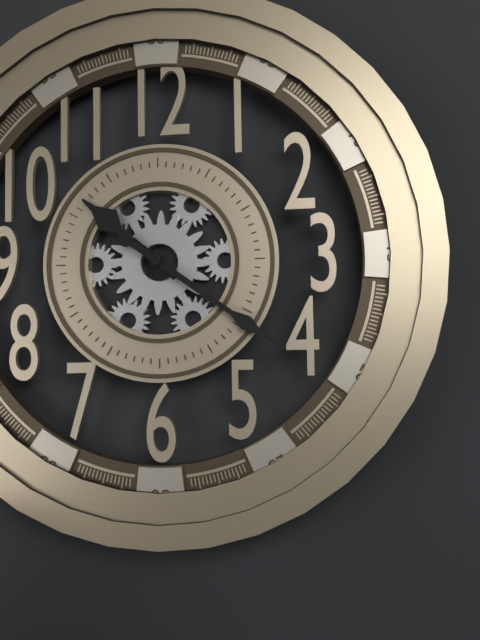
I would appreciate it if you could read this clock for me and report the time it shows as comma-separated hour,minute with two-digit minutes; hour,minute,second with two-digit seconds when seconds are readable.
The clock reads 10,21
